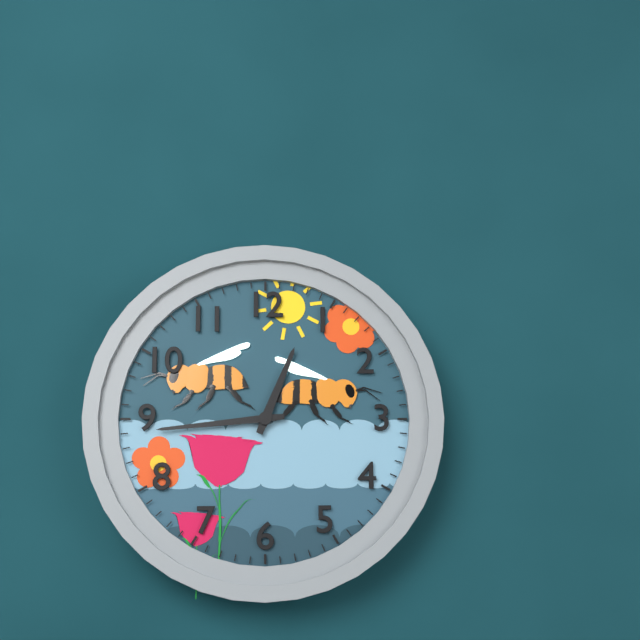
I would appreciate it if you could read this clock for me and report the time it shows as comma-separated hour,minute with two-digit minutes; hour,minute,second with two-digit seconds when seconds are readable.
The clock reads 12,44
